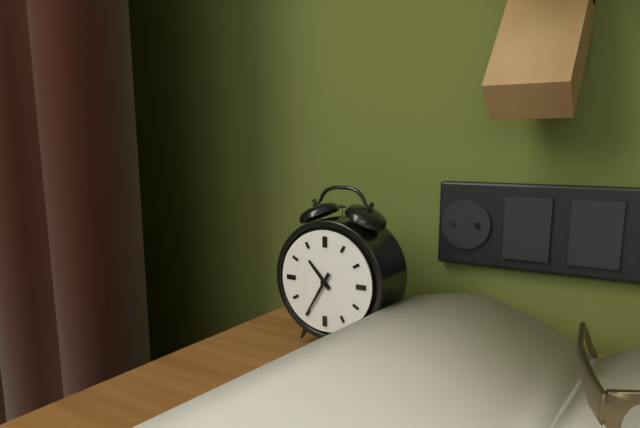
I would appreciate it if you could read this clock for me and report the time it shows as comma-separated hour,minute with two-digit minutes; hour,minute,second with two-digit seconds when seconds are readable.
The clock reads 10,35
